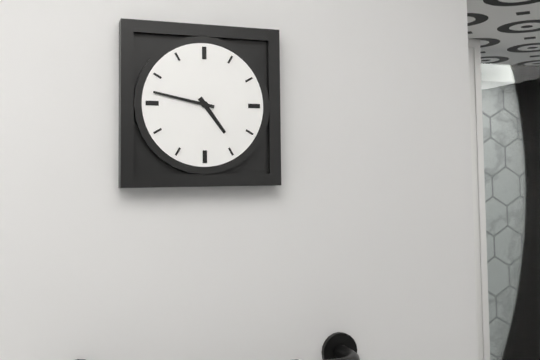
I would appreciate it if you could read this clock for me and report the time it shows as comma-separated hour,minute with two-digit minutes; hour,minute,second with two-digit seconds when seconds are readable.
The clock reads 4,47
